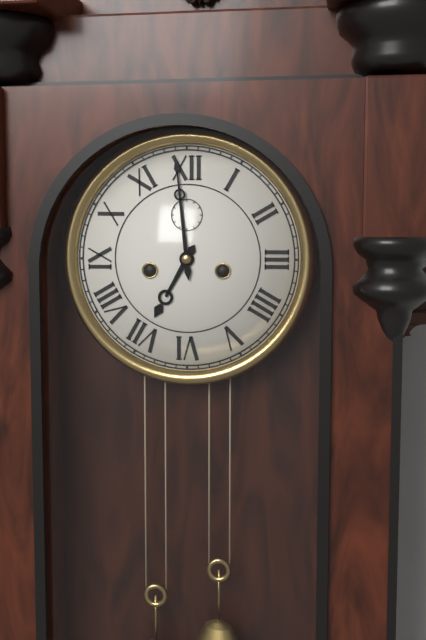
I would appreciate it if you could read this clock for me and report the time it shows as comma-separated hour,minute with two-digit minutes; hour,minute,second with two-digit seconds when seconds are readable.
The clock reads 6,59
